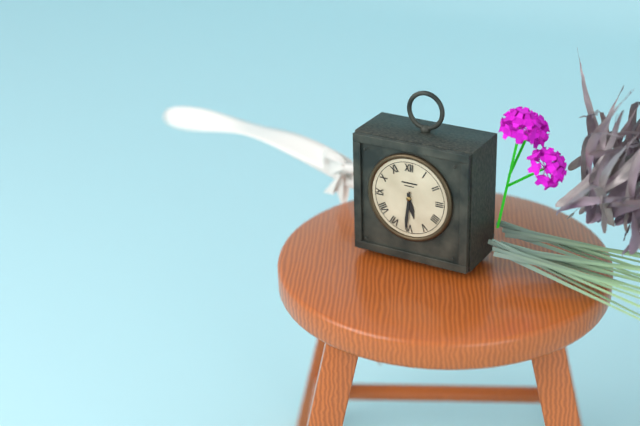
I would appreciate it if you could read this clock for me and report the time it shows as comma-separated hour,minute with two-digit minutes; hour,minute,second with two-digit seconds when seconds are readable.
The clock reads 5,31
